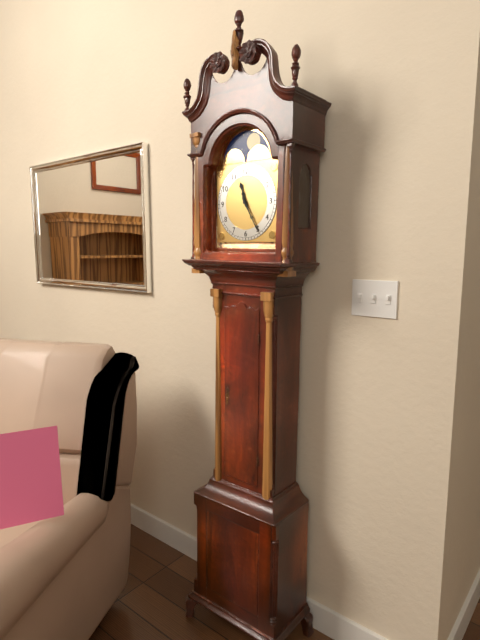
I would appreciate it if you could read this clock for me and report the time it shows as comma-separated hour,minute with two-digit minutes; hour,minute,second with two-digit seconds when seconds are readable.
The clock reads 11,25
